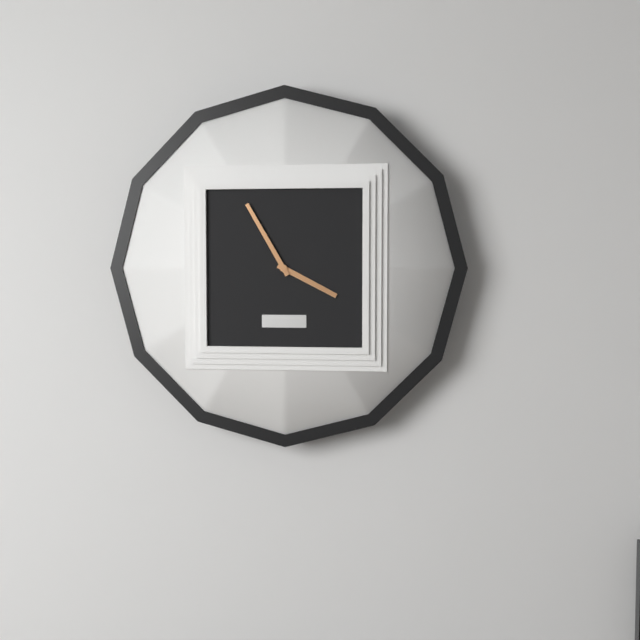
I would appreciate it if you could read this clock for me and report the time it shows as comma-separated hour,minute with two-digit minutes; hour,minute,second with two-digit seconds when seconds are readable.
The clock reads 3,55
